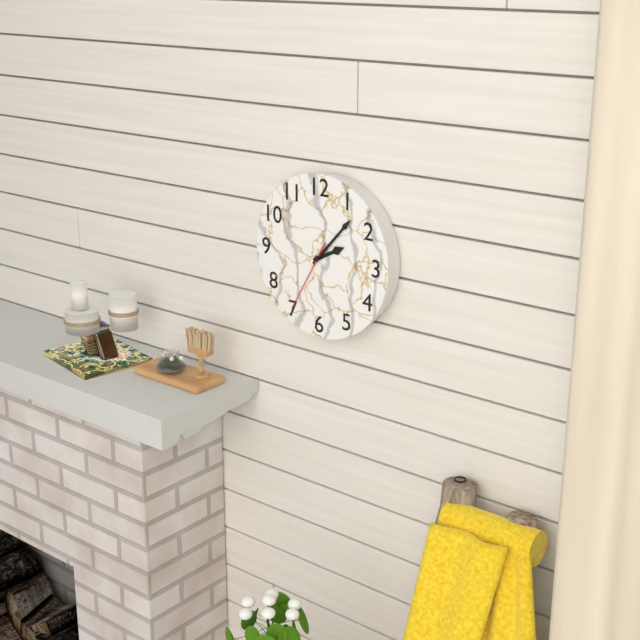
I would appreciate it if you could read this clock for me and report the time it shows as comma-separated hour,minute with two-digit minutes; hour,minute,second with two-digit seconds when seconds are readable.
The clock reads 2,07,35
